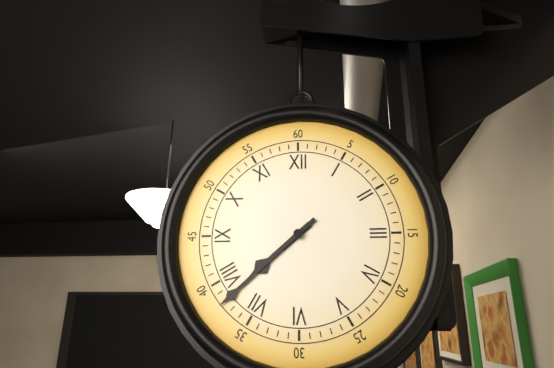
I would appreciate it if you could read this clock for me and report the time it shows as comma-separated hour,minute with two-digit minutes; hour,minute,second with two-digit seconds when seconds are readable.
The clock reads 7,38
